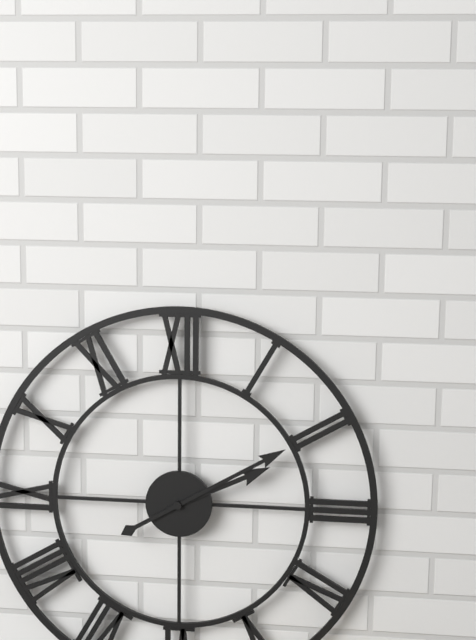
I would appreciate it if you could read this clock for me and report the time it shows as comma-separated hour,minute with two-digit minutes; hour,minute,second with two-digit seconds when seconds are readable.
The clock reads 2,10
